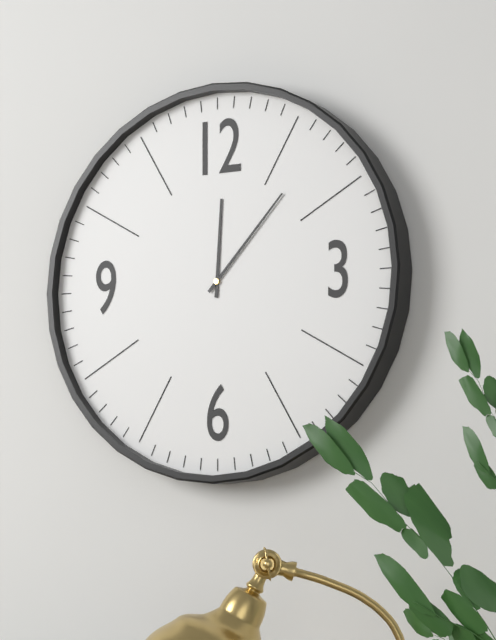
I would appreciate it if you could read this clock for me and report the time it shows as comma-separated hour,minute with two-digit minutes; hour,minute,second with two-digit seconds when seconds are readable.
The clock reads 12,07
